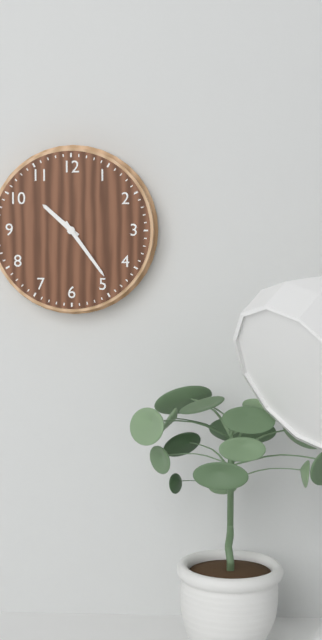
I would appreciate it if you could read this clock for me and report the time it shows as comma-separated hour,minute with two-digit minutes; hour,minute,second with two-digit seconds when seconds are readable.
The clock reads 10,24
